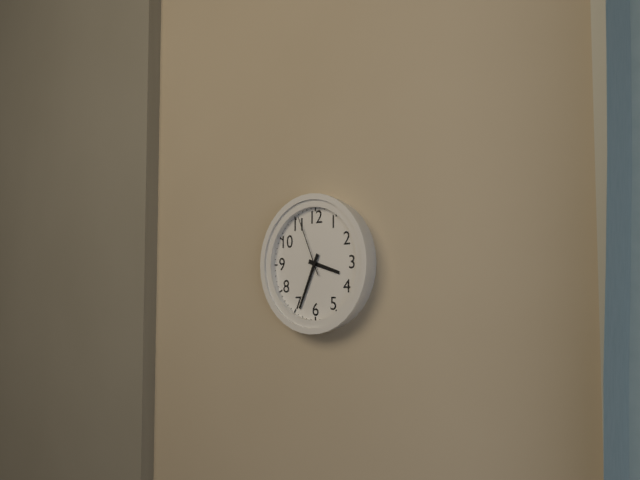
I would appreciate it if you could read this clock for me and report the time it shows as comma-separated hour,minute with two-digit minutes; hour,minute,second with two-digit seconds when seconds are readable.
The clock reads 3,34,56
